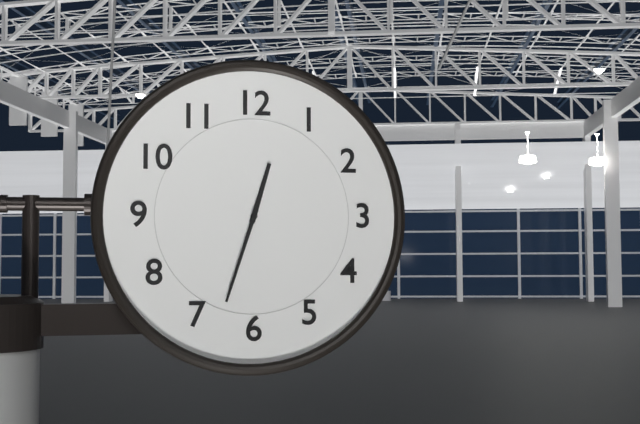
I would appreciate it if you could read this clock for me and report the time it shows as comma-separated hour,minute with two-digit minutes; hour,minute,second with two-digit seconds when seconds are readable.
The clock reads 12,33
